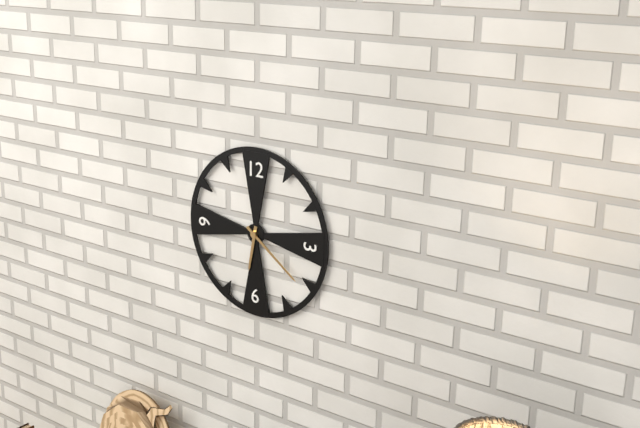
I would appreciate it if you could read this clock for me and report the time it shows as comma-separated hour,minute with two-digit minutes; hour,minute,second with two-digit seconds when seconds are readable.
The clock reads 6,21
